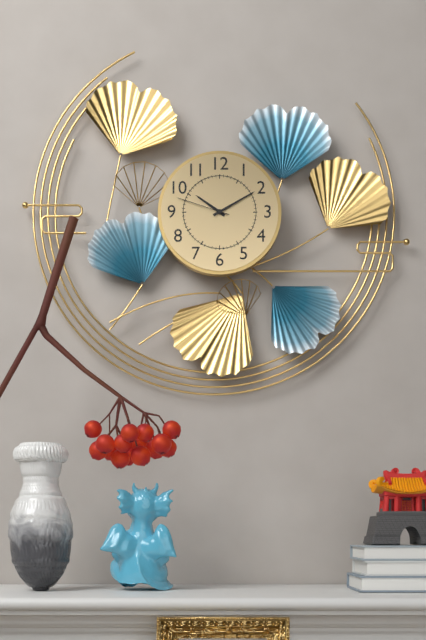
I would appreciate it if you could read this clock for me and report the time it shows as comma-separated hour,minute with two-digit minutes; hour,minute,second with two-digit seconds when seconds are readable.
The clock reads 10,10,48
